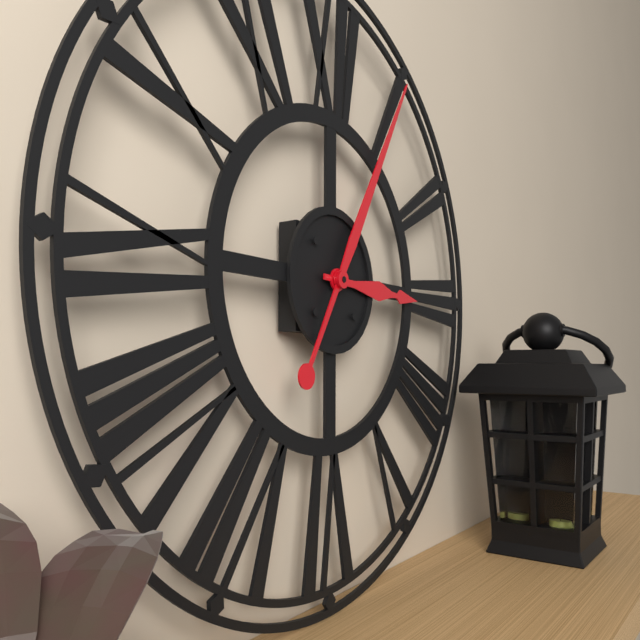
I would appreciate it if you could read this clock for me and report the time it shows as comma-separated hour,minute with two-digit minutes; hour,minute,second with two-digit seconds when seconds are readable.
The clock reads 3,05
